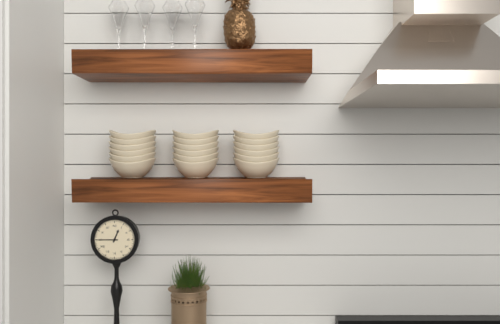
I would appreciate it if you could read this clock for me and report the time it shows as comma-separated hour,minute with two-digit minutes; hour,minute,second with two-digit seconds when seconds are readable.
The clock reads 12,45
